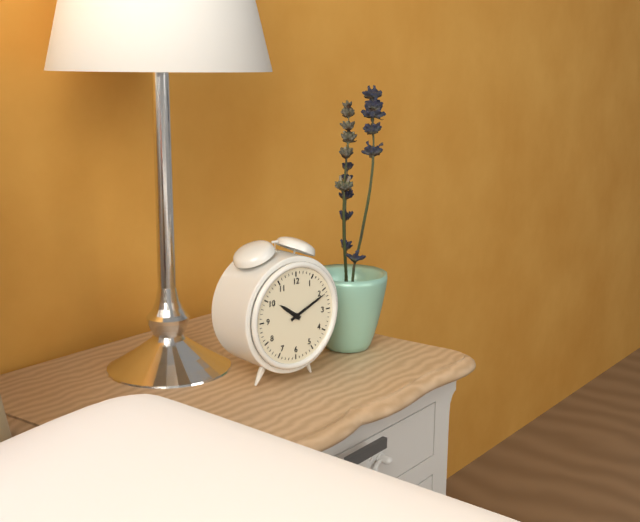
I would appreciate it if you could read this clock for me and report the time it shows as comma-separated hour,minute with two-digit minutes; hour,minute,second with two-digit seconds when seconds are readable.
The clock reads 10,11
